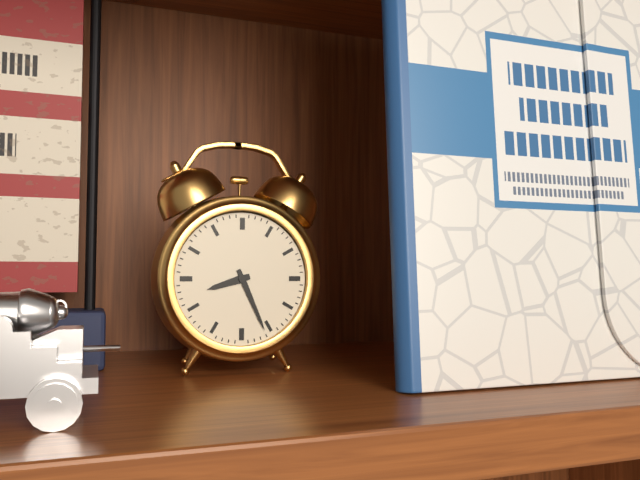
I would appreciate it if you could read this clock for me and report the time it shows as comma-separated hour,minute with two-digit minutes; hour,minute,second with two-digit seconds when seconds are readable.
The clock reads 8,26
